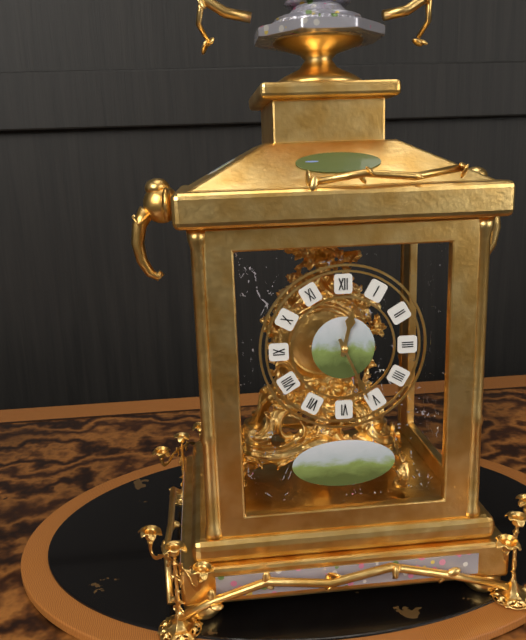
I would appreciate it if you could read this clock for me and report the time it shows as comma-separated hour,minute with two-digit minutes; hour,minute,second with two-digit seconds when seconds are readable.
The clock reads 12,26
